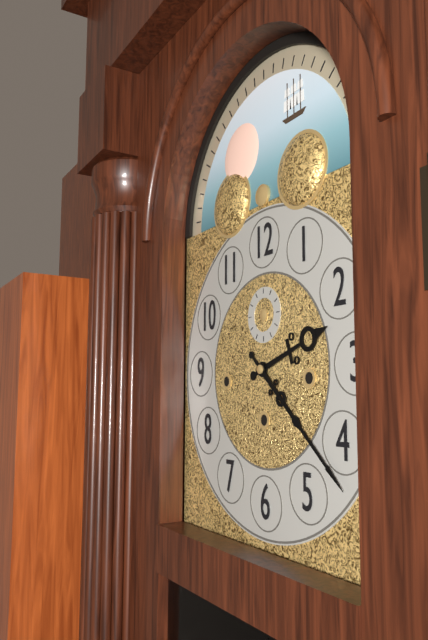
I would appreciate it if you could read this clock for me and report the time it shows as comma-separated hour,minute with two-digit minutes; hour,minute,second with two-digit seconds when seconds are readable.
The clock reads 2,22
